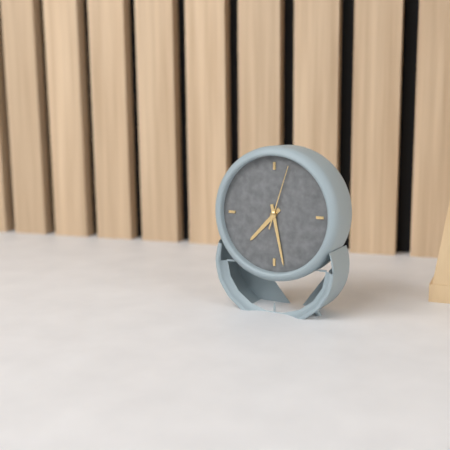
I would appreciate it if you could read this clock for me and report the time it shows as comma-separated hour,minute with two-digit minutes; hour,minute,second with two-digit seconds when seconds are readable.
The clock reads 7,28,03
